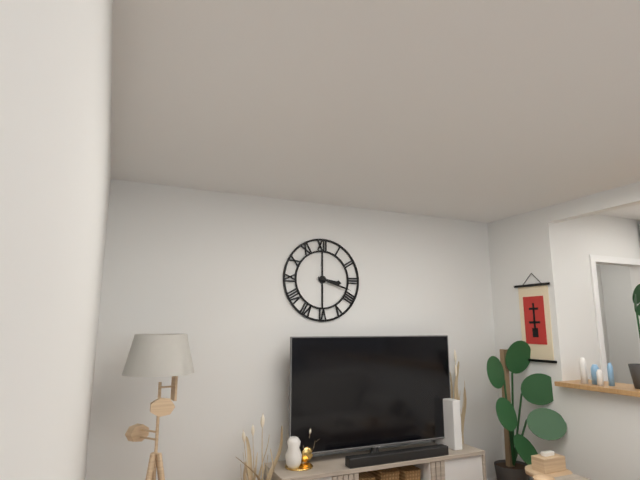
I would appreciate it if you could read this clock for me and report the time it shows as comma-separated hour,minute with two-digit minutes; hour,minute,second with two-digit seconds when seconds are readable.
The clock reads 3,18
